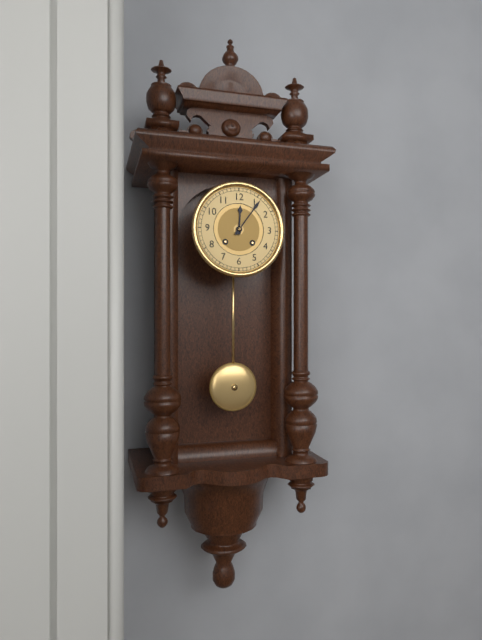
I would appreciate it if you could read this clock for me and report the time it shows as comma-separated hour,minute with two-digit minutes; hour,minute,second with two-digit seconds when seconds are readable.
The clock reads 12,06
